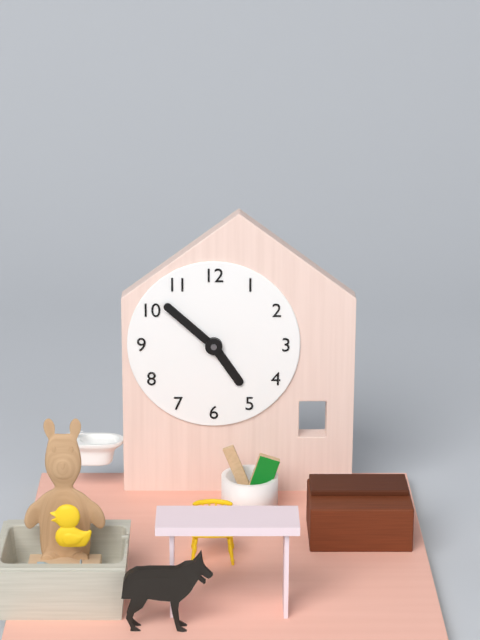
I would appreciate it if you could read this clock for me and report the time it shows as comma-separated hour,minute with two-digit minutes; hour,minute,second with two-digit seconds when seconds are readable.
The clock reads 4,52
